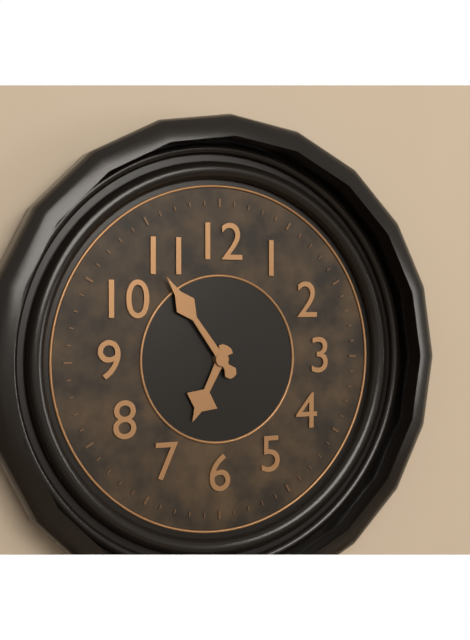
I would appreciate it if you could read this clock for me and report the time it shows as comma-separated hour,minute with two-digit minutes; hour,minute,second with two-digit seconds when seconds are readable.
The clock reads 6,54
